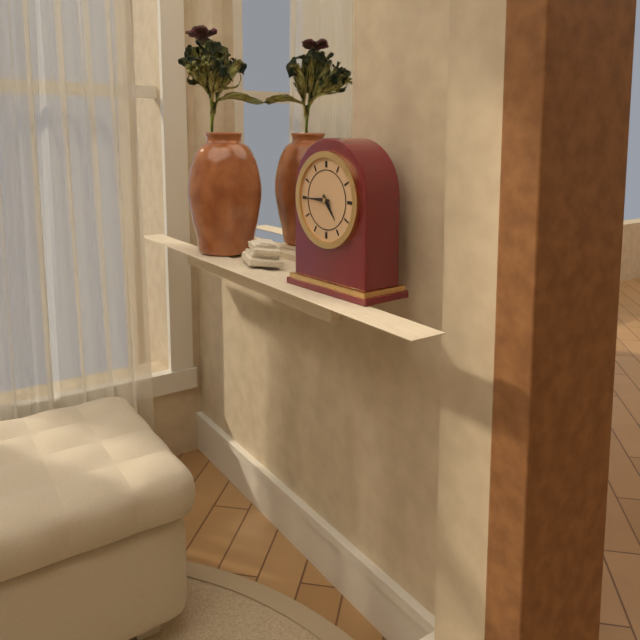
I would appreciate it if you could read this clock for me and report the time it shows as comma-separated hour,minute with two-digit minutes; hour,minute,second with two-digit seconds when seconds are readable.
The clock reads 4,45
